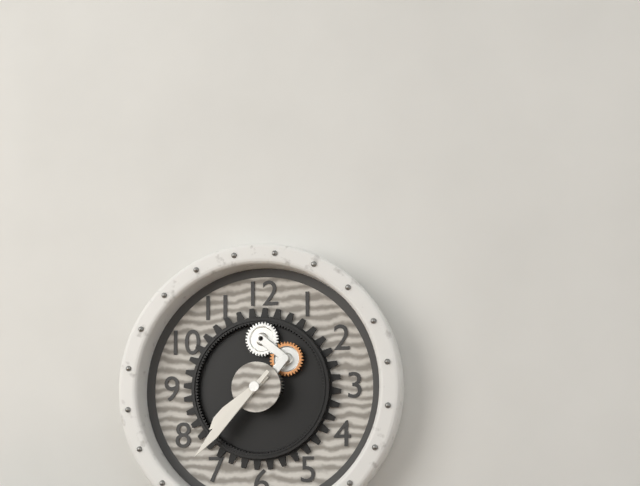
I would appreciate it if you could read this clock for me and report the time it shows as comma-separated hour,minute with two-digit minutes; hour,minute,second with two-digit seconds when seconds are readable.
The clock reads 7,37
